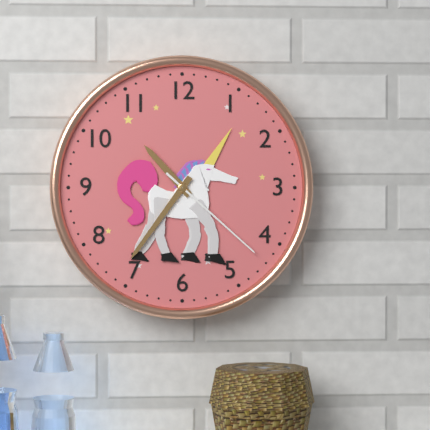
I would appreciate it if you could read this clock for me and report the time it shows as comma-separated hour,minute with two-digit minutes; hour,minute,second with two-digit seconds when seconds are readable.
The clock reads 10,36,22
